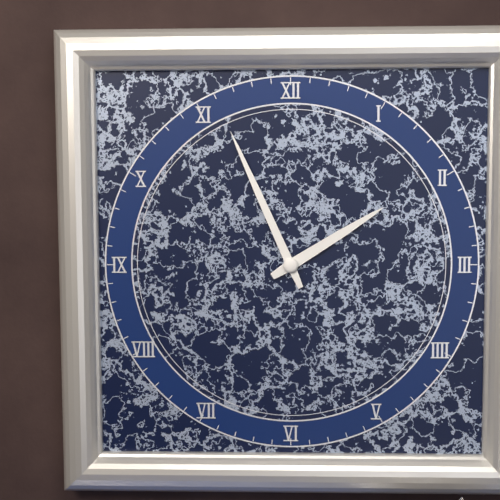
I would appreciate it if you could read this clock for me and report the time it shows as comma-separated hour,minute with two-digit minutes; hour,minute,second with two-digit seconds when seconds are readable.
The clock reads 1,56
